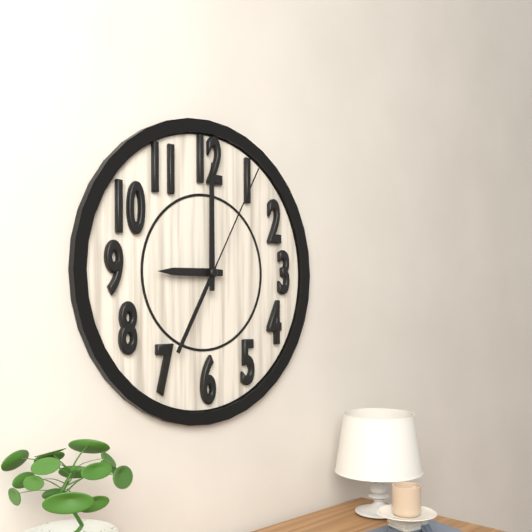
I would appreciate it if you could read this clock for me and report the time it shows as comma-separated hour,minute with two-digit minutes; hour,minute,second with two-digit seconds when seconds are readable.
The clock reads 9,00,05
